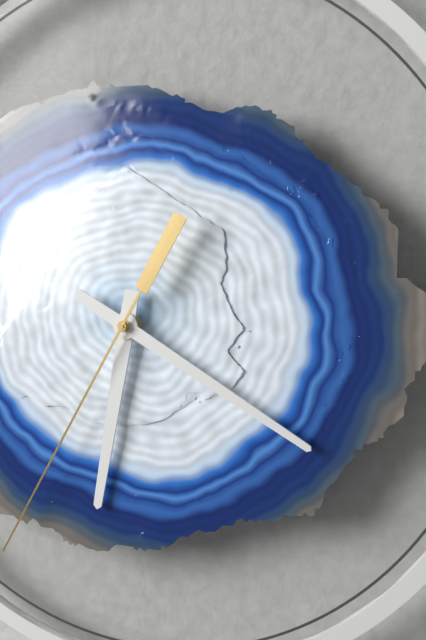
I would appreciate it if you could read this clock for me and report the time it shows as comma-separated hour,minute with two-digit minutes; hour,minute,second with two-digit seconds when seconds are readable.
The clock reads 6,20,35
